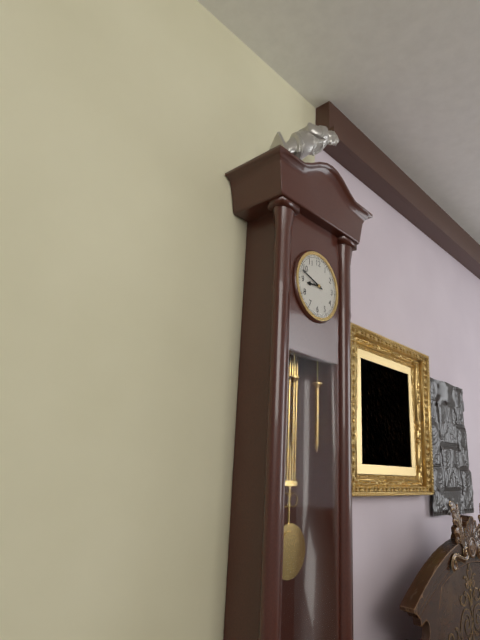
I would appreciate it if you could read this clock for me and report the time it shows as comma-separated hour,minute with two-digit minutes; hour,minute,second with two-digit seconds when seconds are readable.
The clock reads 8,48
